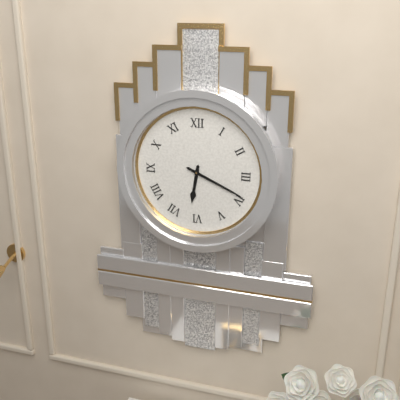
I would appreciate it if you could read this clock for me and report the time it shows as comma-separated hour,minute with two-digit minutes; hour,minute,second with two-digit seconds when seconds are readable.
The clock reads 6,19
